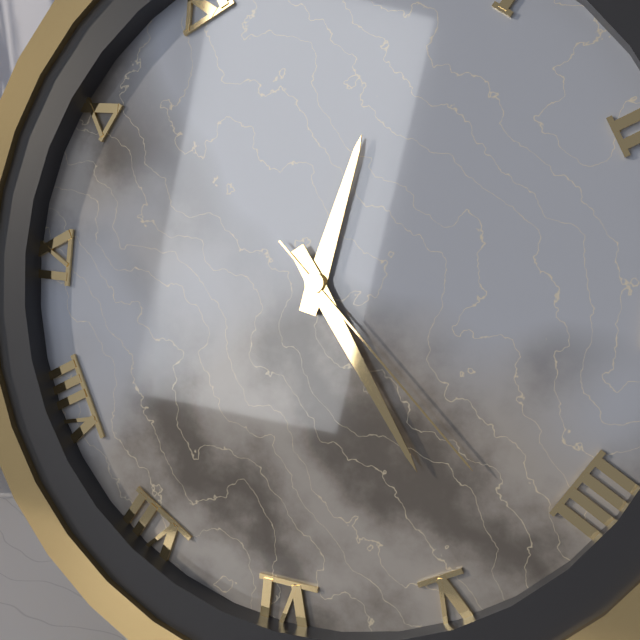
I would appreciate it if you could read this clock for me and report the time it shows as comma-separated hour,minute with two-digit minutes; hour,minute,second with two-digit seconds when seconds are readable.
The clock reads 12,24,22
